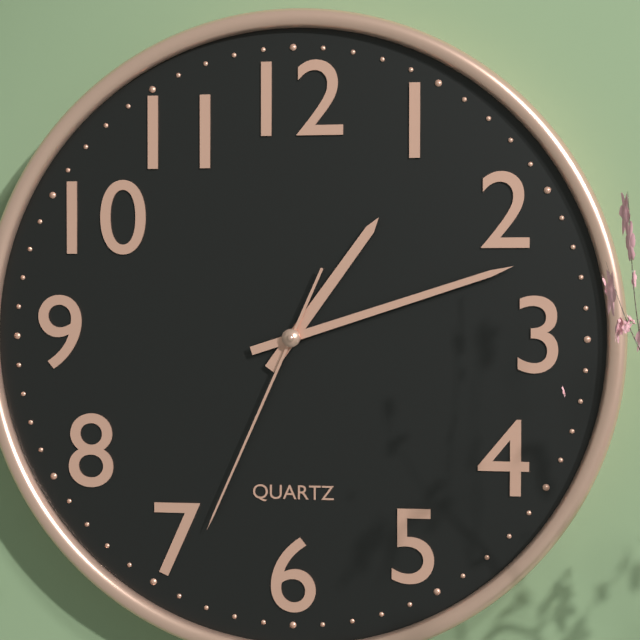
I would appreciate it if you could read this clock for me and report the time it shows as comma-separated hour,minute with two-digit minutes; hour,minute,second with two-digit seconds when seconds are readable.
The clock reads 1,12,34
